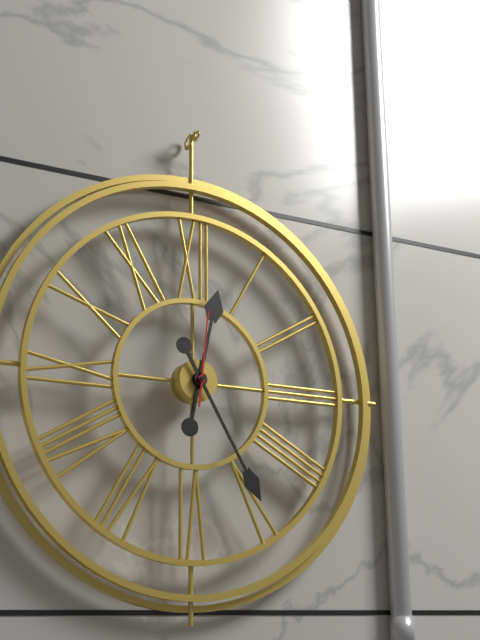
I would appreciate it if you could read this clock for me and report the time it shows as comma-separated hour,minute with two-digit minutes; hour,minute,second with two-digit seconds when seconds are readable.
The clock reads 12,25,01
